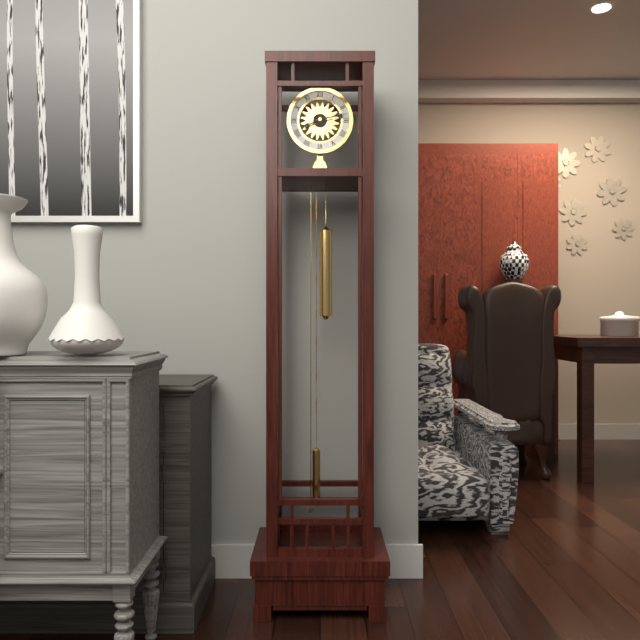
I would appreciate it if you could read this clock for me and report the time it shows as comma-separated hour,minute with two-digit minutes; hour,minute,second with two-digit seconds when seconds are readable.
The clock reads 8,13
